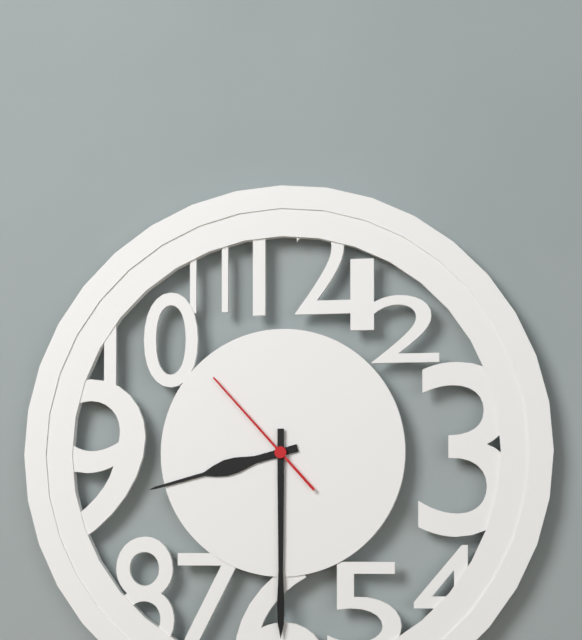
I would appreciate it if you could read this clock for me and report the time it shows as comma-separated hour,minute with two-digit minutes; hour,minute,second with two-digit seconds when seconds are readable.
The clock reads 8,30,53
